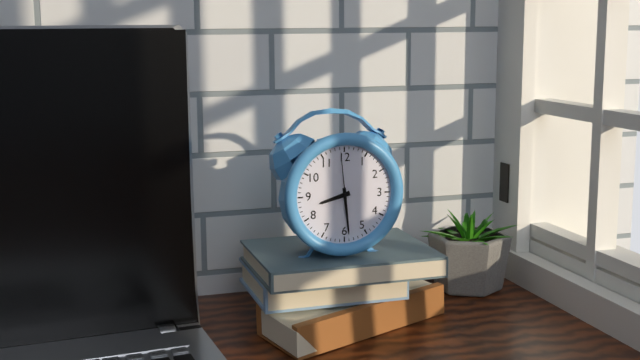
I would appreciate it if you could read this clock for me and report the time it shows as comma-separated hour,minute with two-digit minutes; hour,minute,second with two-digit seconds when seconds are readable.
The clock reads 8,29,59
